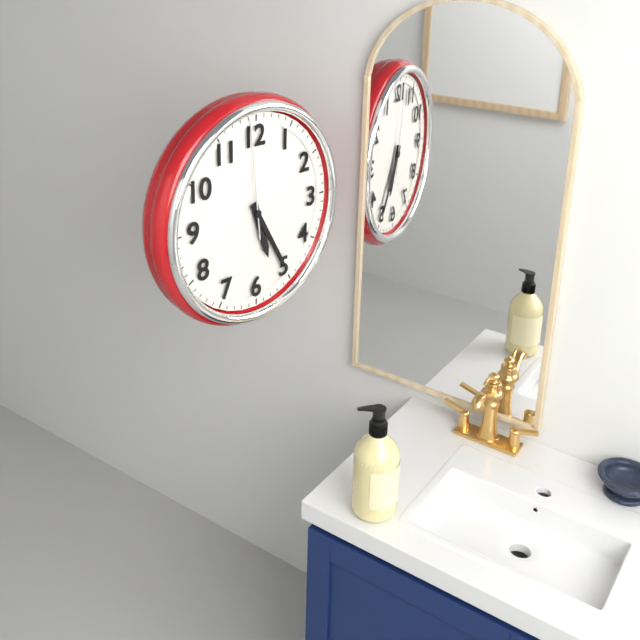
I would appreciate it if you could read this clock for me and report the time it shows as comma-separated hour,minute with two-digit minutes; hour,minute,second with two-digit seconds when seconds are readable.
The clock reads 5,25,59
